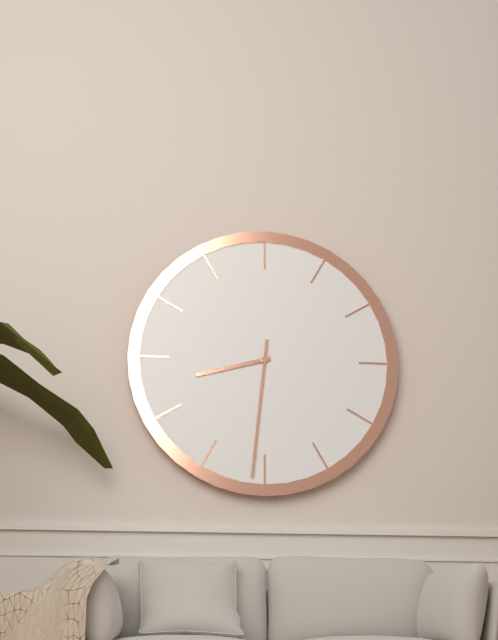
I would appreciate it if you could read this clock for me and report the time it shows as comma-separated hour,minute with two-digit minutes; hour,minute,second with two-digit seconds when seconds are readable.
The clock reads 8,31
